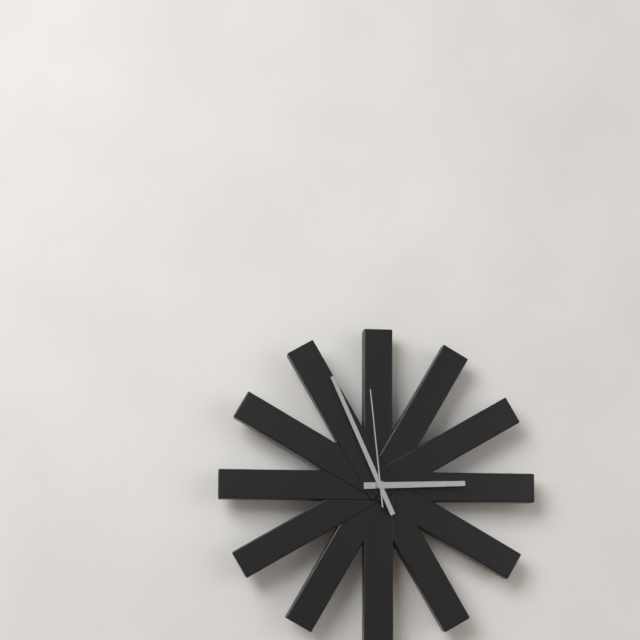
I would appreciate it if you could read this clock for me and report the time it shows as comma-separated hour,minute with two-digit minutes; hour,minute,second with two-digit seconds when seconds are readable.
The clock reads 2,56,59
